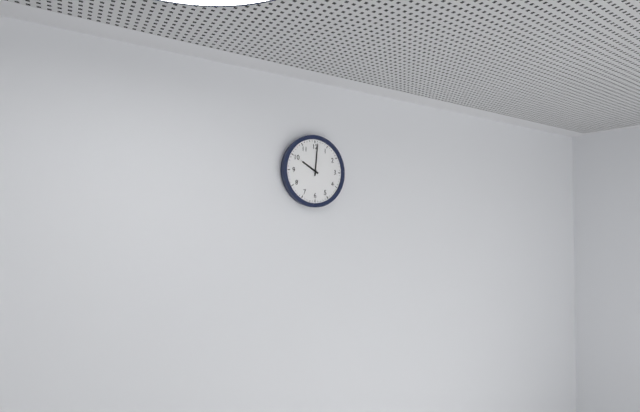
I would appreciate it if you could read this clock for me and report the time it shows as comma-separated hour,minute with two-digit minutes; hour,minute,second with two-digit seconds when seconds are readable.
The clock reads 10,01
